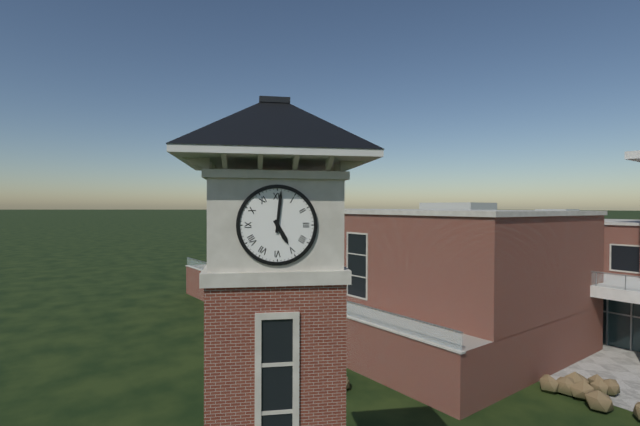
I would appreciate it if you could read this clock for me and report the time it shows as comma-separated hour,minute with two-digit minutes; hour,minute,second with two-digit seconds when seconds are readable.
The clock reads 5,01
